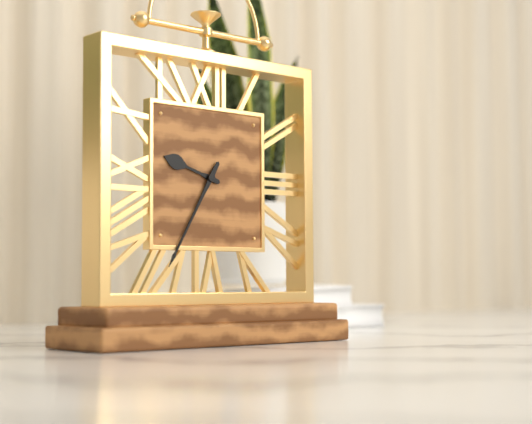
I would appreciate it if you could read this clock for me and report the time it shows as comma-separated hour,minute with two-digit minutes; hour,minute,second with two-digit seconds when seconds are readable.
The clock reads 9,35
